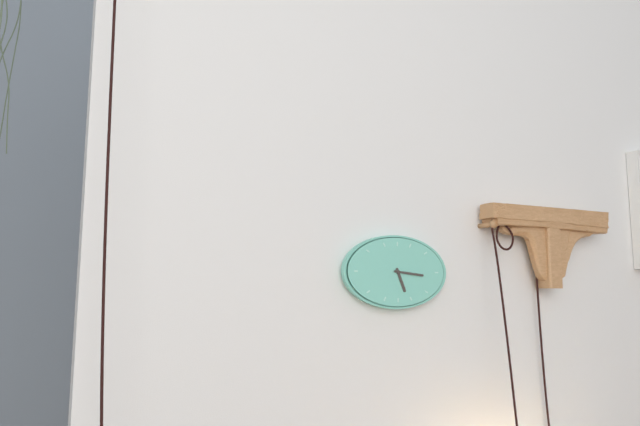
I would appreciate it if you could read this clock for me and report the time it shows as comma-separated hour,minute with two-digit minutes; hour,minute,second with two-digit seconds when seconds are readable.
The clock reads 5,16
